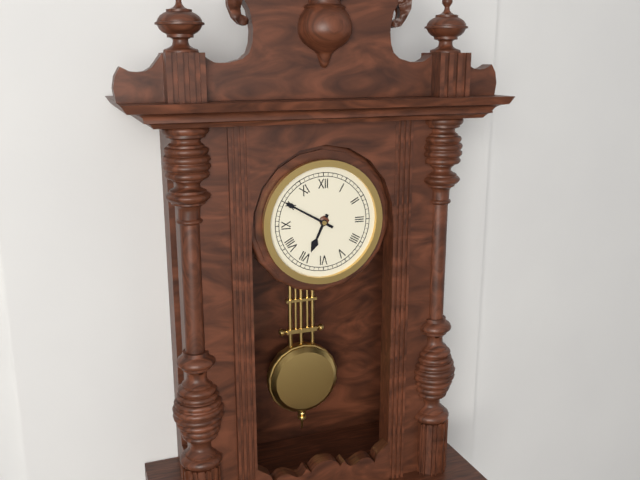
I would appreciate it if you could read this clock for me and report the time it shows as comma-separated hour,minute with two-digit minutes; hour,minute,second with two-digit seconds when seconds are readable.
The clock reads 6,50
